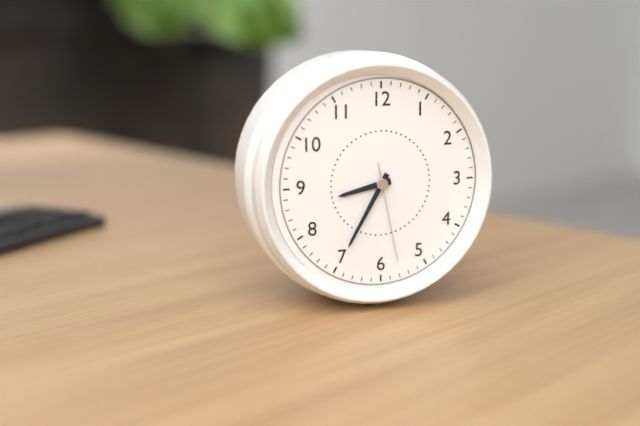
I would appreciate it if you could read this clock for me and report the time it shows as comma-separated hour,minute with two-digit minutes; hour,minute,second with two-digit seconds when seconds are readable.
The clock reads 8,35,28
